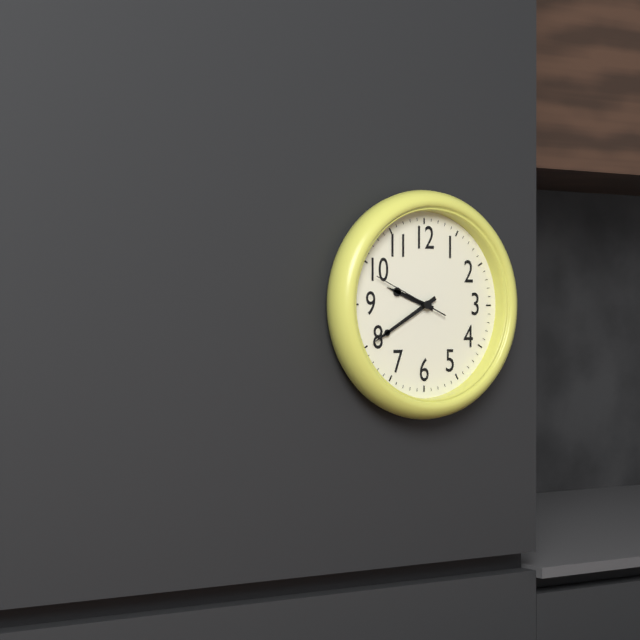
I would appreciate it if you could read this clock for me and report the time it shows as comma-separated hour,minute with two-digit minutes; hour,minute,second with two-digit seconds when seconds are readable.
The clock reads 9,40,49
